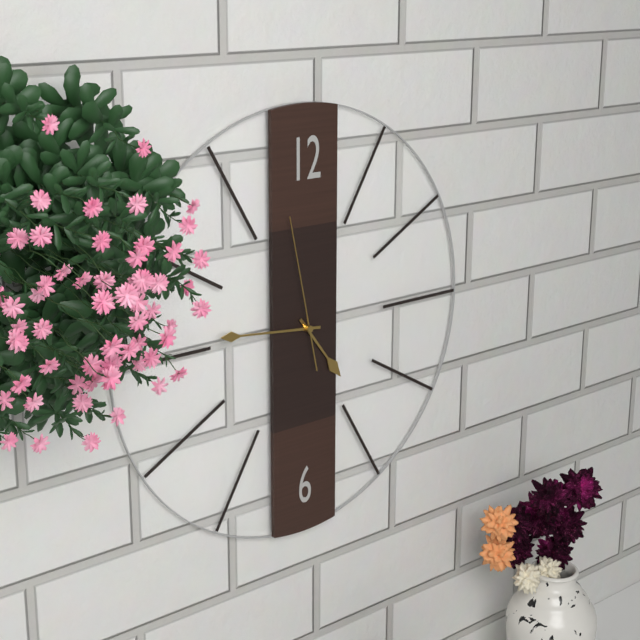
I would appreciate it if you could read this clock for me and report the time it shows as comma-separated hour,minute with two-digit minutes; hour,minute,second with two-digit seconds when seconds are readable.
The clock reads 4,46,58
